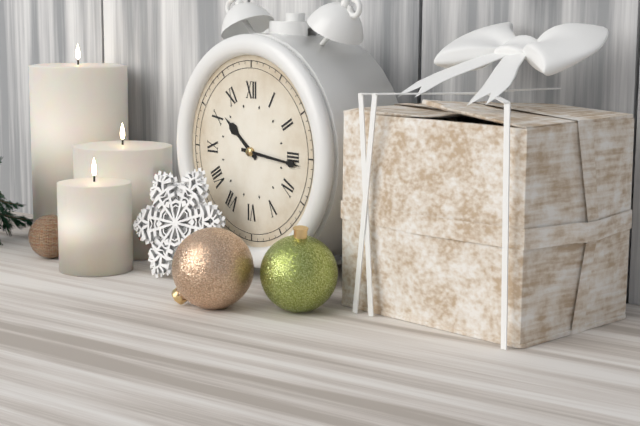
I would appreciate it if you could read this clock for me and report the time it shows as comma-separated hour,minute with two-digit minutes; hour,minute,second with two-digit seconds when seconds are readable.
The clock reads 10,16
